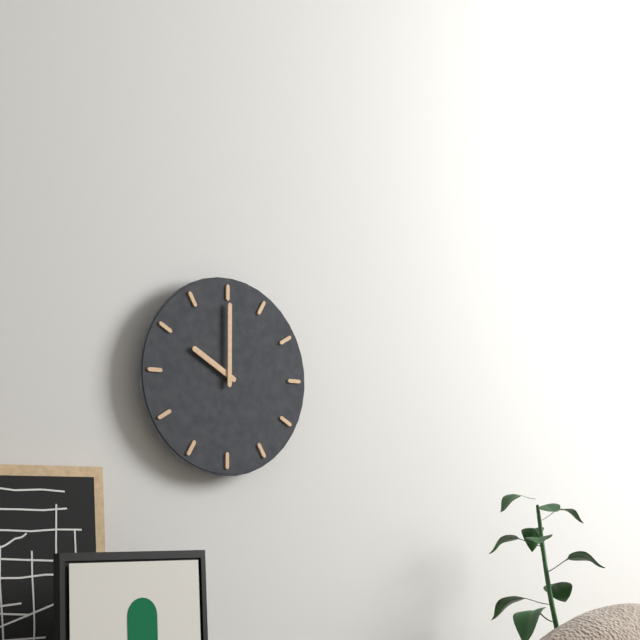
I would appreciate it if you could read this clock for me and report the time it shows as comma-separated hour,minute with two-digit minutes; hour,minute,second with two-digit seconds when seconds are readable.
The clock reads 10,00
